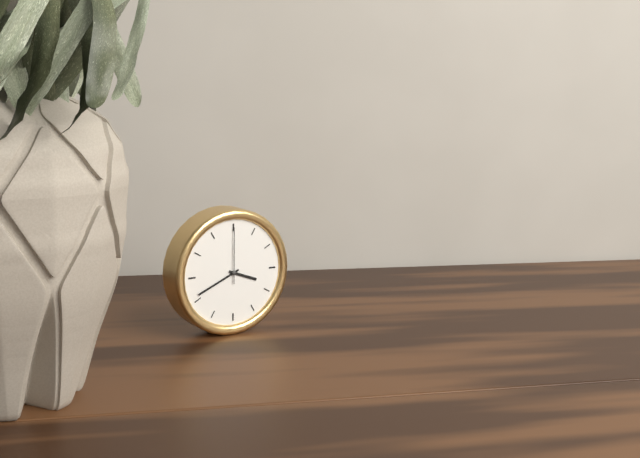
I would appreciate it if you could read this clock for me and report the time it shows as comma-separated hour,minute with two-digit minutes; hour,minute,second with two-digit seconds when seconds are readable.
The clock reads 3,41,00
